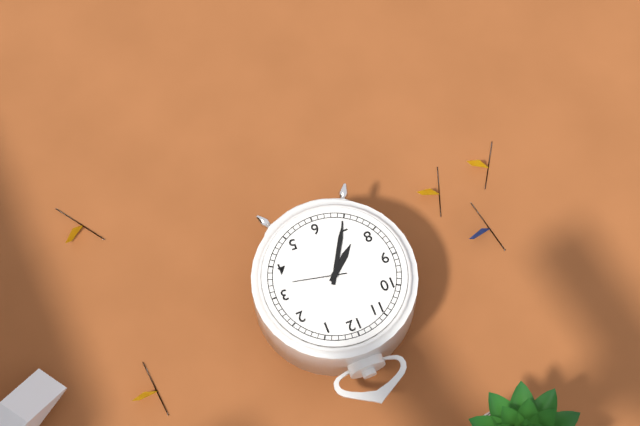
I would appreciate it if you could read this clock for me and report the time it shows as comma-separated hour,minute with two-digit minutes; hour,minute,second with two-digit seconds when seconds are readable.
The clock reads 7,35,17
